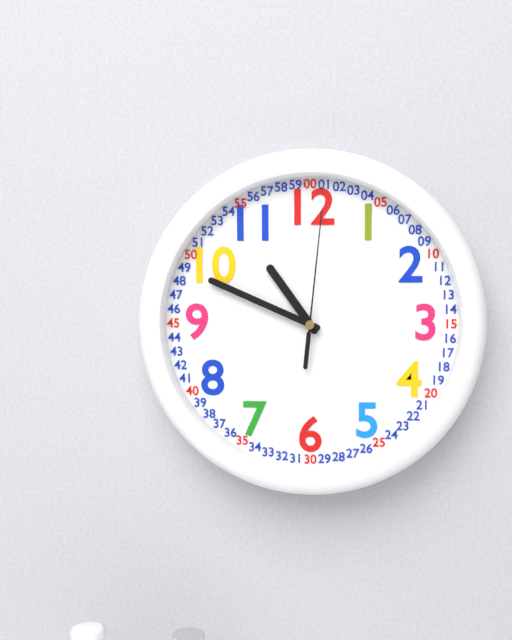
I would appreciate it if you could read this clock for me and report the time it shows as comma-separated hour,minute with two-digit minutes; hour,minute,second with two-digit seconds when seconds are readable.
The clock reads 10,49,01
